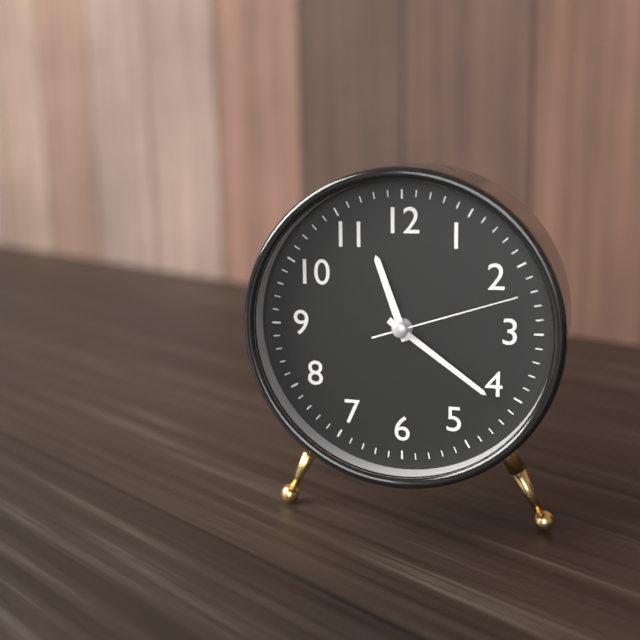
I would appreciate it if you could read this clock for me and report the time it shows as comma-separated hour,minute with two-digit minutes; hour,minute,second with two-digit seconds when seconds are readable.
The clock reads 11,21,12
